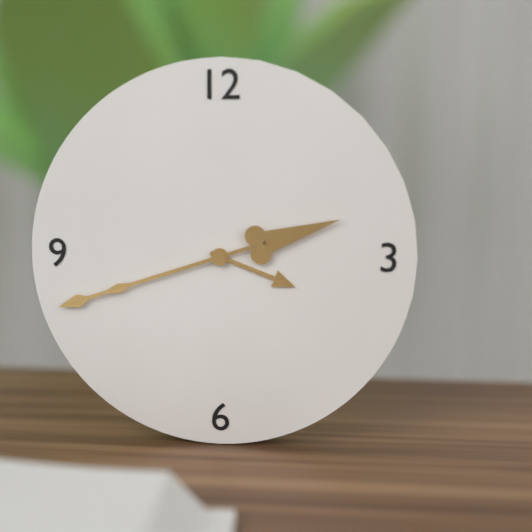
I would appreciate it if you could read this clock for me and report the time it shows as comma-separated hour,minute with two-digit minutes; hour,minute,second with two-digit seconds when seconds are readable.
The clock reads 3,42
